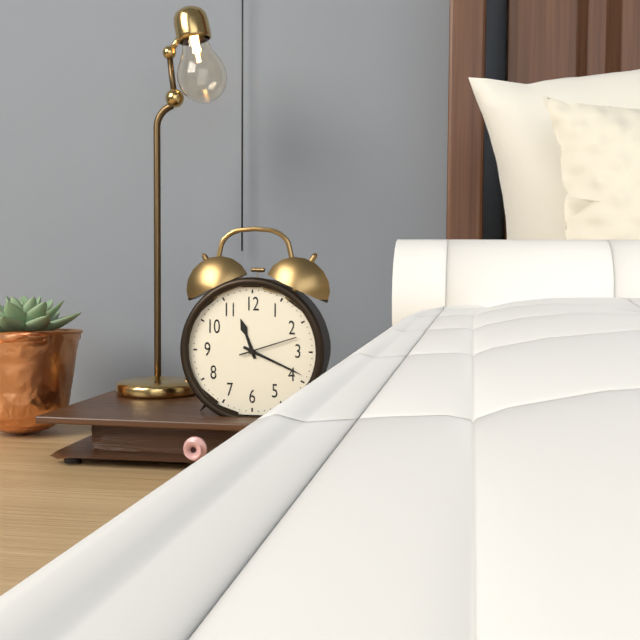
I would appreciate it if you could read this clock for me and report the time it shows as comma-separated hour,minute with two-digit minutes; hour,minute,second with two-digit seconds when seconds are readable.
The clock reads 11,19,12
